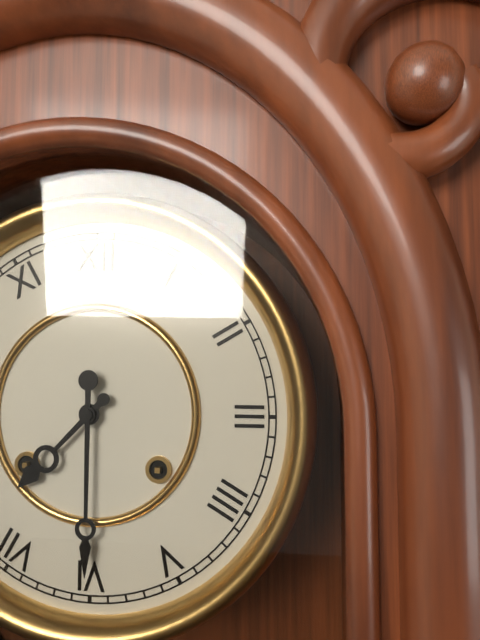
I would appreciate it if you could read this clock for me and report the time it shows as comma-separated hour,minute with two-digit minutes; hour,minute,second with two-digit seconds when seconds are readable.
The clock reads 7,30
